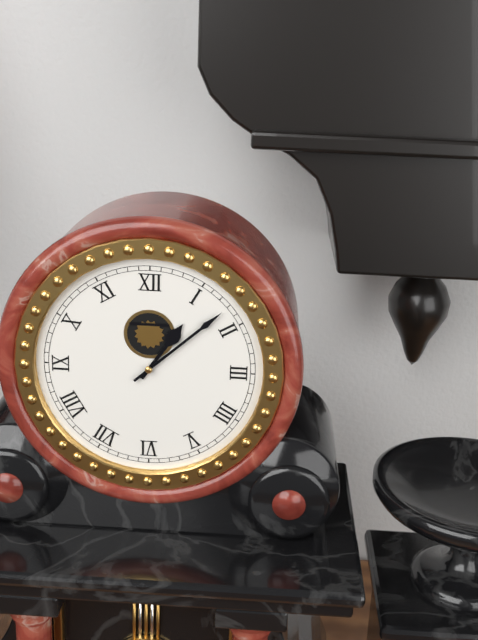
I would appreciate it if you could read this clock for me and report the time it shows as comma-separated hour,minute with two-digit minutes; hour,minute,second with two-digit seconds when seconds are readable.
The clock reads 1,08
